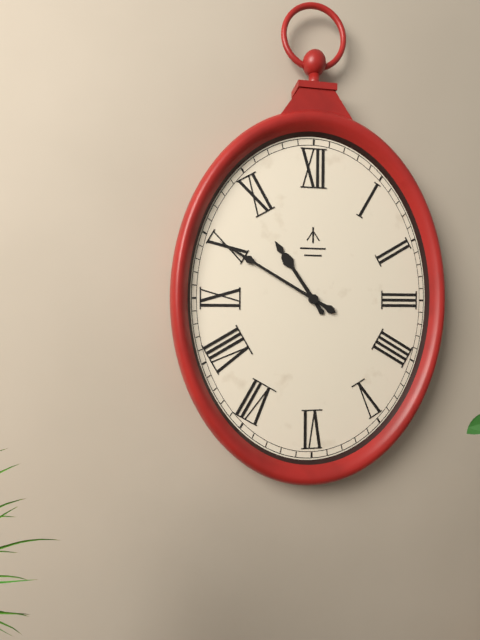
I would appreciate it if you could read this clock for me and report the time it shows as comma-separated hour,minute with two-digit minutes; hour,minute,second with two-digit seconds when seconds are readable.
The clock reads 10,50
